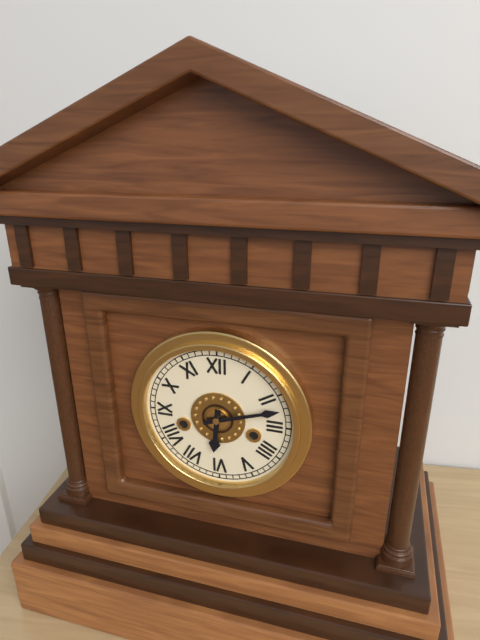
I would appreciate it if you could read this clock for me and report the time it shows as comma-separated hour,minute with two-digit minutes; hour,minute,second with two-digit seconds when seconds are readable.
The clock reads 6,12
